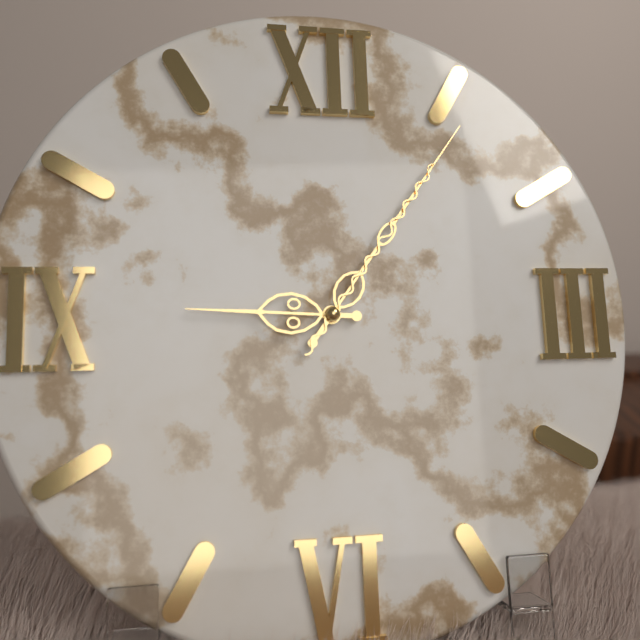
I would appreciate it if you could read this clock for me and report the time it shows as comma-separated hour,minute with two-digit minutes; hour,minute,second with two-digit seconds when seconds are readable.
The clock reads 9,06,06
